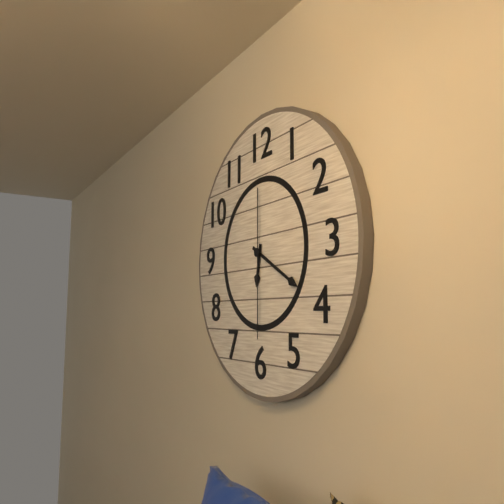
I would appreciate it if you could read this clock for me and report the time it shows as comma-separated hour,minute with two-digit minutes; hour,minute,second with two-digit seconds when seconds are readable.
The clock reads 6,20,30
